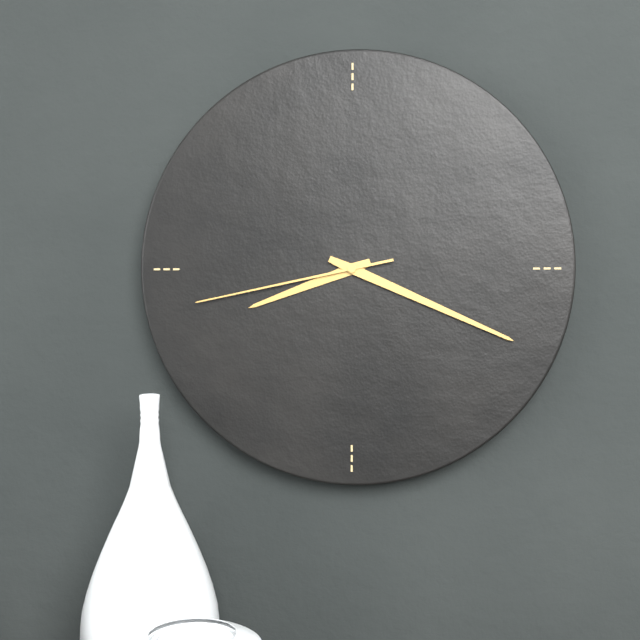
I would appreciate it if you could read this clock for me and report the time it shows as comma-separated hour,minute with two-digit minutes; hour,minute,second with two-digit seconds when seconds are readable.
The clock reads 8,19,43
